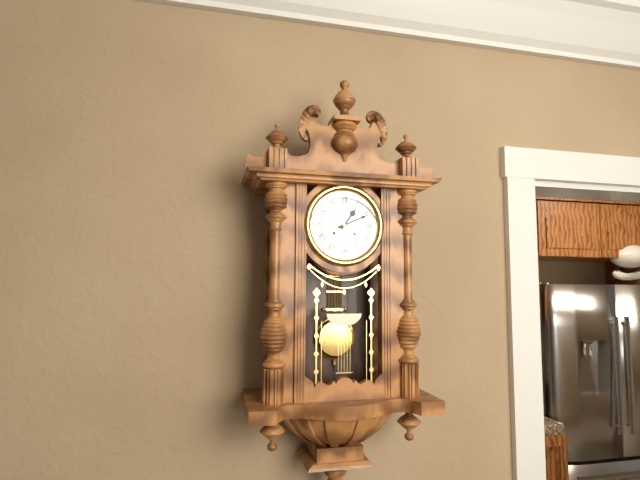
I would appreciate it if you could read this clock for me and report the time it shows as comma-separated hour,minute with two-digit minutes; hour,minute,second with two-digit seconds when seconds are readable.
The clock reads 1,11
